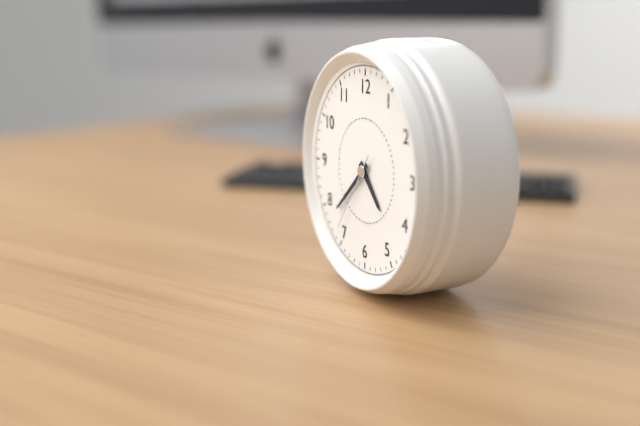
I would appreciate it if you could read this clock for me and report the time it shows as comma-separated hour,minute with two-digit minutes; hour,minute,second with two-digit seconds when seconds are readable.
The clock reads 4,38,36
